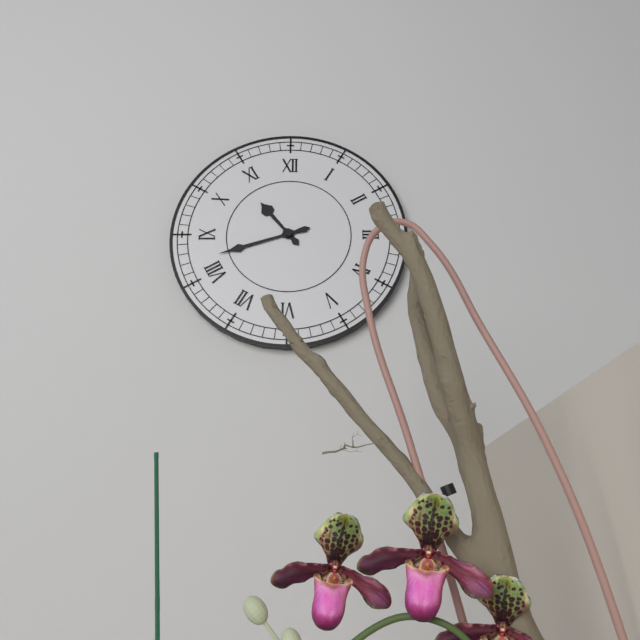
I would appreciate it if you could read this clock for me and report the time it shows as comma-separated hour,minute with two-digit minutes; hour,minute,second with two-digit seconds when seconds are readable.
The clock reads 10,42
